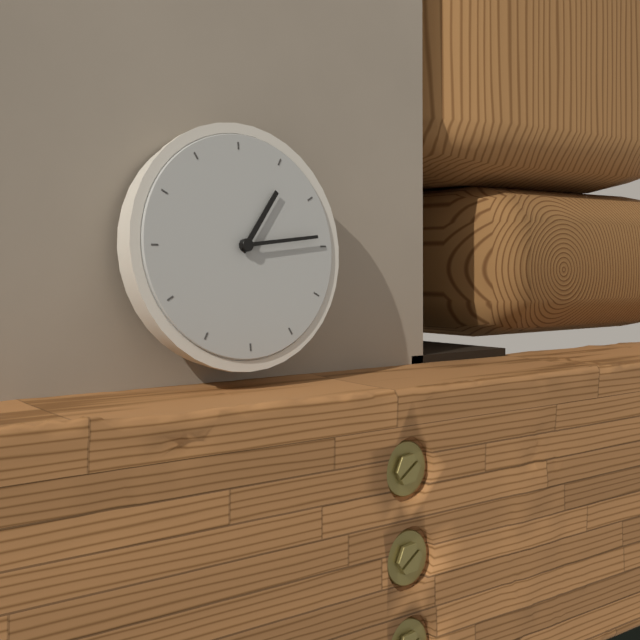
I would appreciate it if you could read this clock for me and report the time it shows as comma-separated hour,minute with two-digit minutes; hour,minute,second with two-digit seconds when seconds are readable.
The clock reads 1,14
